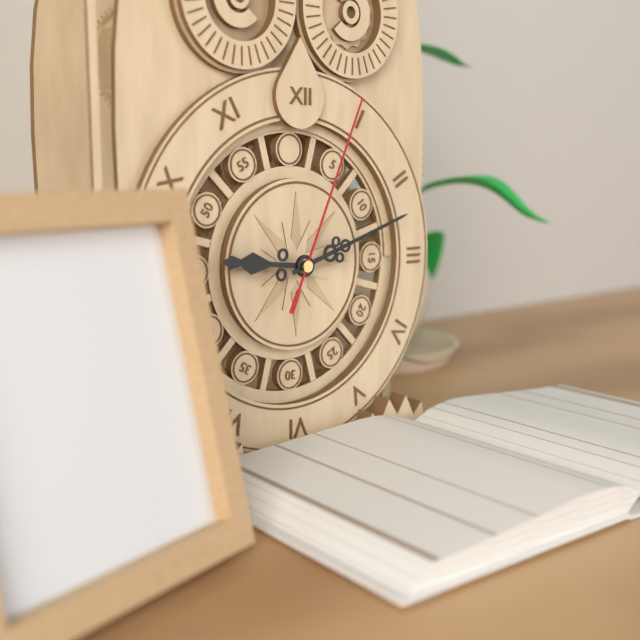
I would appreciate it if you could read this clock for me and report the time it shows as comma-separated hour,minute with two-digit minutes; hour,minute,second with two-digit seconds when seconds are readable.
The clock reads 9,12,04
